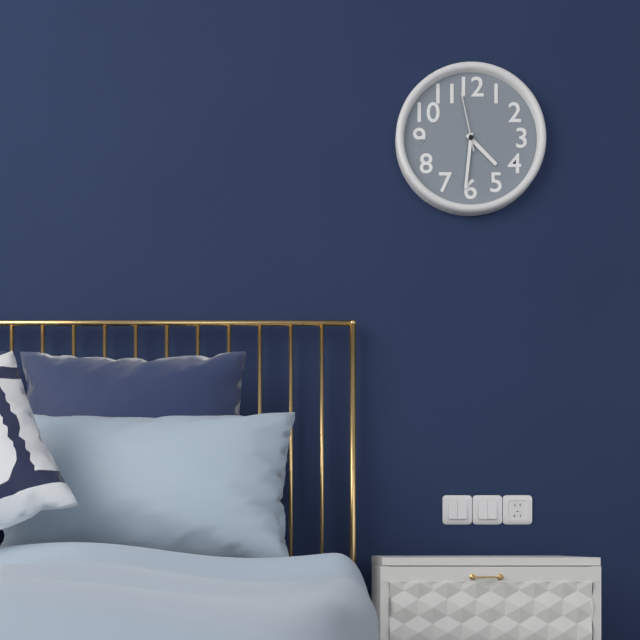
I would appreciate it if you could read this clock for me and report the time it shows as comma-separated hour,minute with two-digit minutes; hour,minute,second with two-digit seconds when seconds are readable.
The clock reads 4,31,58
